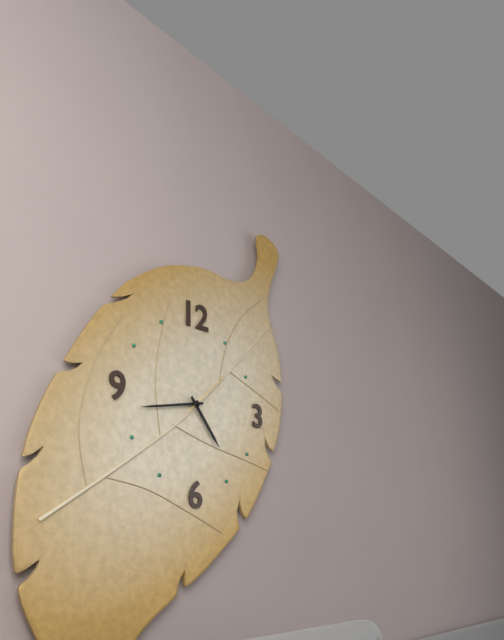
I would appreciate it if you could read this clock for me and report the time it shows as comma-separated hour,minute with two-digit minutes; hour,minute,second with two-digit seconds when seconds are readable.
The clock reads 4,43
